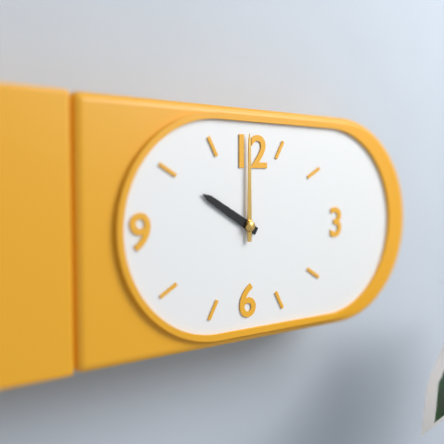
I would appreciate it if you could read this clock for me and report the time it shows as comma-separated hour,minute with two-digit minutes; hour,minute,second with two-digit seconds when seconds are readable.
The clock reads 10,00
